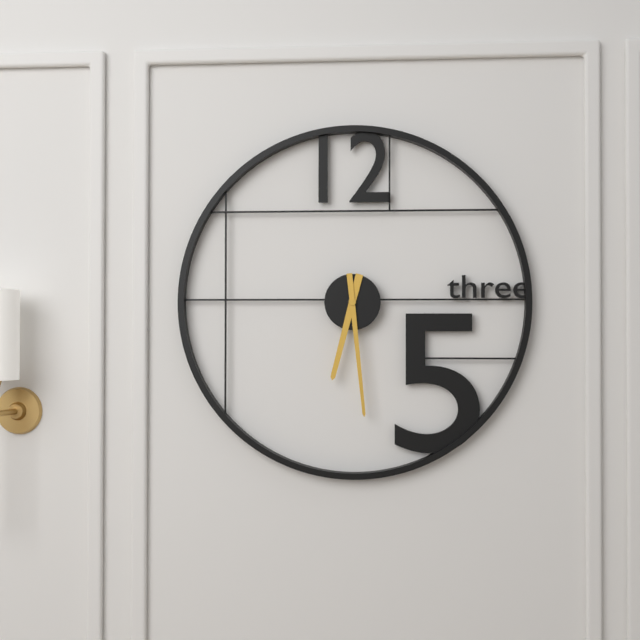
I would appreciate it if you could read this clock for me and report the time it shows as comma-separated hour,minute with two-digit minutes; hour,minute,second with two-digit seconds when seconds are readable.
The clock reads 6,29
